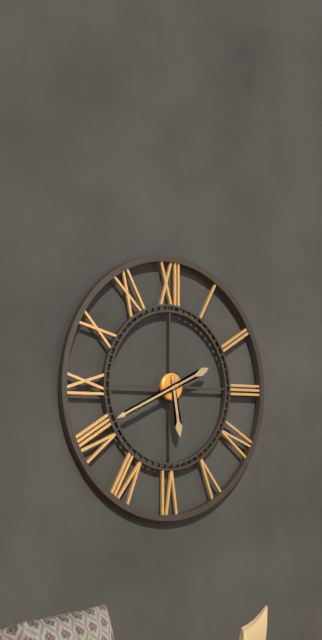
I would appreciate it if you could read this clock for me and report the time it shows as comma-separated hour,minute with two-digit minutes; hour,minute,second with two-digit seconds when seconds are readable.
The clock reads 5,41
